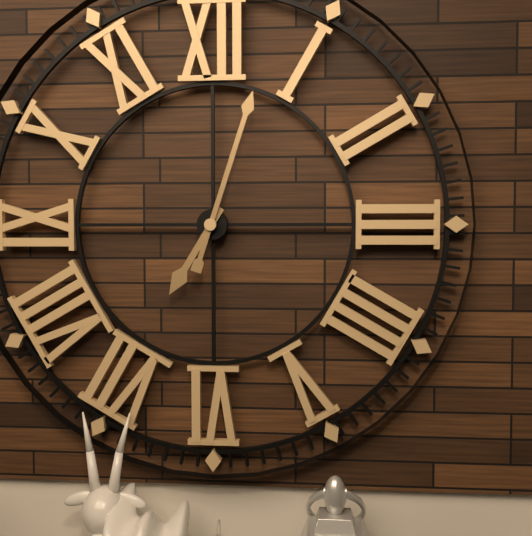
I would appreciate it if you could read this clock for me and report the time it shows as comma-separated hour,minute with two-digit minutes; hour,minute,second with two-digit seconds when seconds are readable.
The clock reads 7,03
